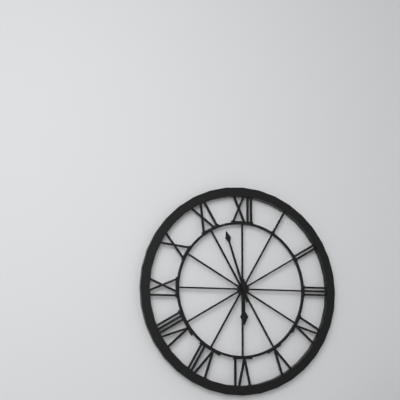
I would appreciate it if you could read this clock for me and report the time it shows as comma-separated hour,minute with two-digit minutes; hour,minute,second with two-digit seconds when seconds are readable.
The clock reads 5,57
